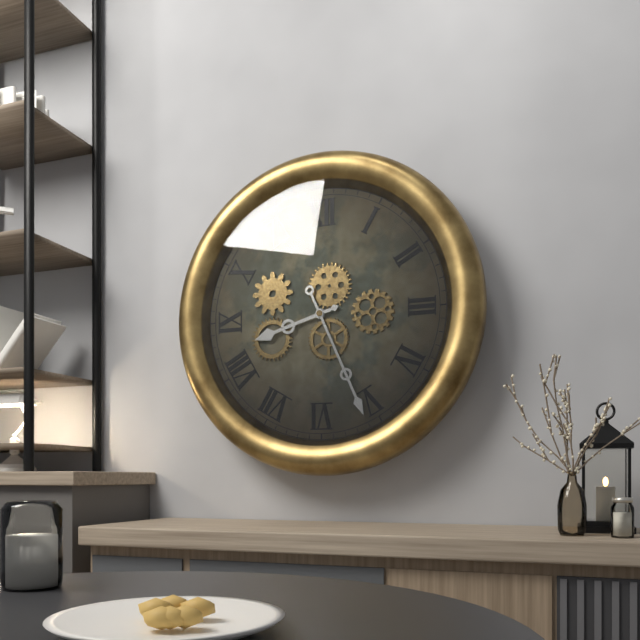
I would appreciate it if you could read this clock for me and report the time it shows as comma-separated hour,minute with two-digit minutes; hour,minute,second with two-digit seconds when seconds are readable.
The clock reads 8,26
